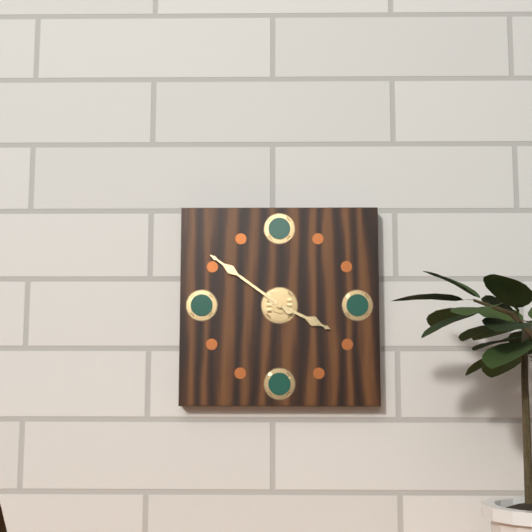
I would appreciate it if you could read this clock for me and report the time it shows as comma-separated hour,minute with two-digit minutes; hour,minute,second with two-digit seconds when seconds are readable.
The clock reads 3,51
